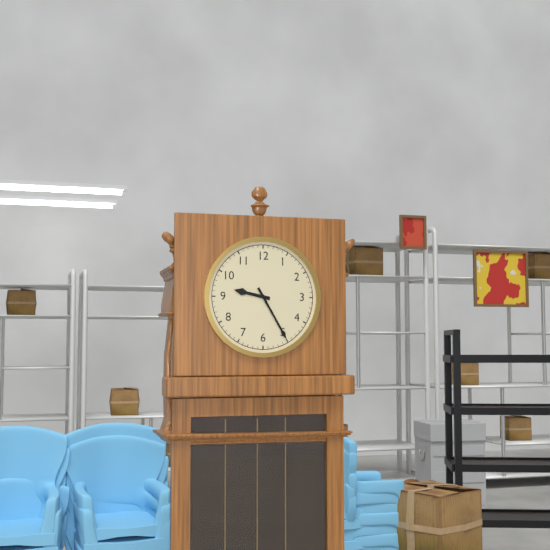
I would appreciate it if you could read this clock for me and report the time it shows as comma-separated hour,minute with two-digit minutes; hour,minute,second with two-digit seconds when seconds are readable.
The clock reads 9,25
